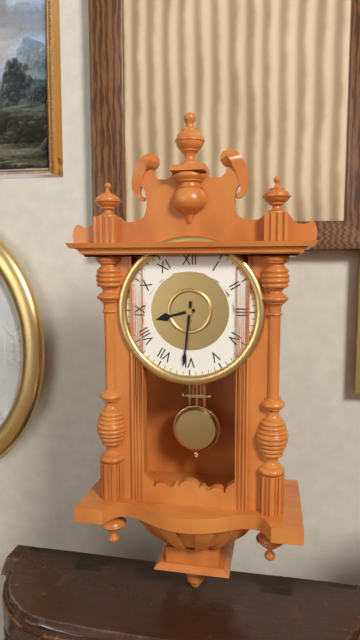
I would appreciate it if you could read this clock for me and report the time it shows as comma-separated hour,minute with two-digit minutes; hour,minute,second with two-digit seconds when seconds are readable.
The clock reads 8,31
